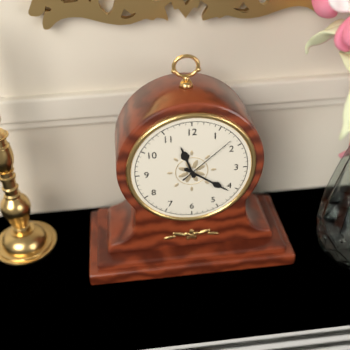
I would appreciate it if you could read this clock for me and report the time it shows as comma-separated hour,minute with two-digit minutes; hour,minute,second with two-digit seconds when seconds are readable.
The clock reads 11,21,08
